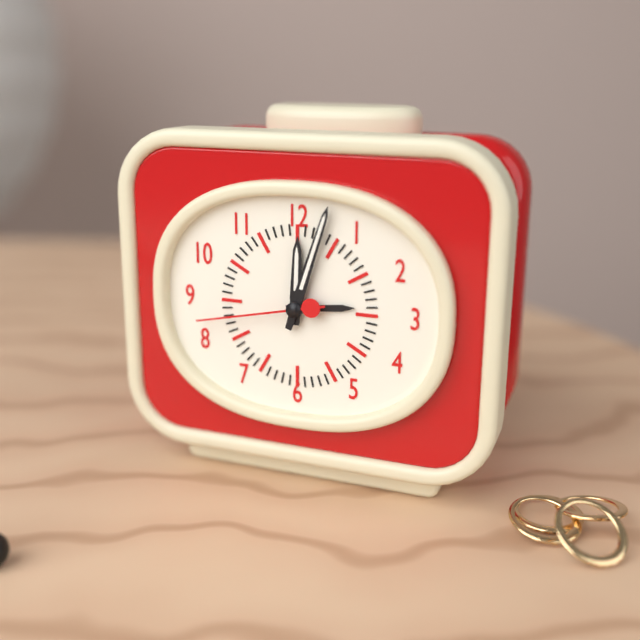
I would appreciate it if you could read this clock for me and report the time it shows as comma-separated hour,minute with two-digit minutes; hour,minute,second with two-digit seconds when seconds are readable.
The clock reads 12,03,43
